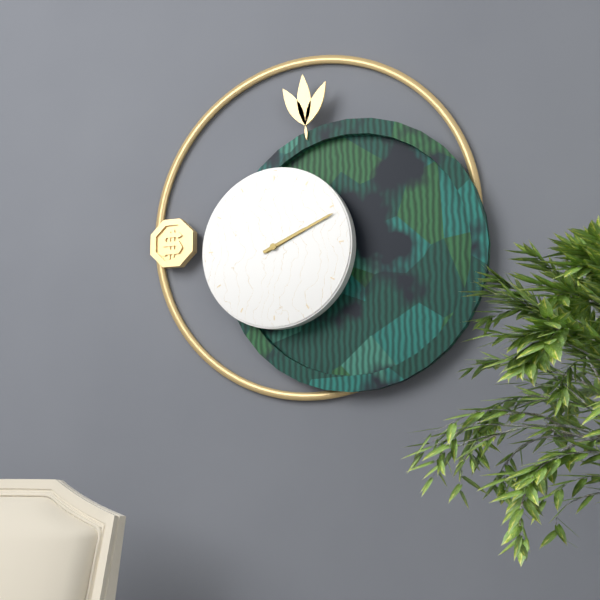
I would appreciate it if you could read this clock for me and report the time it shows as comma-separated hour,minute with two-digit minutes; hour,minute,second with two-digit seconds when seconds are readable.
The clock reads 2,11
